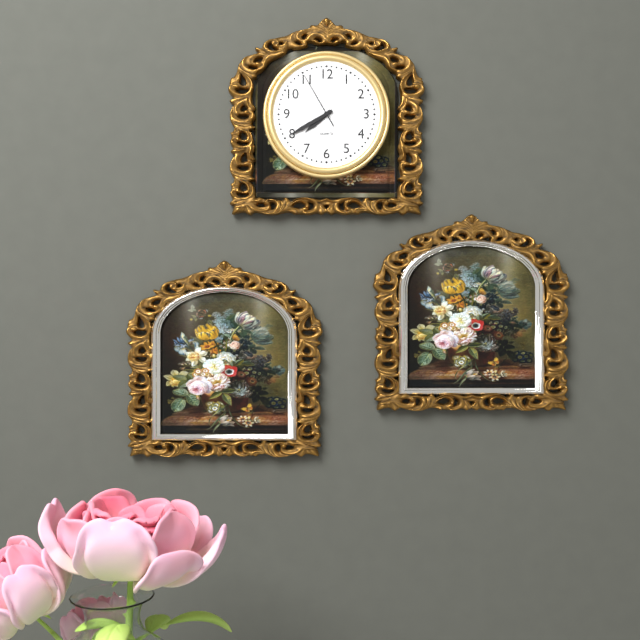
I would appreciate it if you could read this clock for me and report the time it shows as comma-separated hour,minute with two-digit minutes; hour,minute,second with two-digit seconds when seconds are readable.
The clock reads 7,40,55
